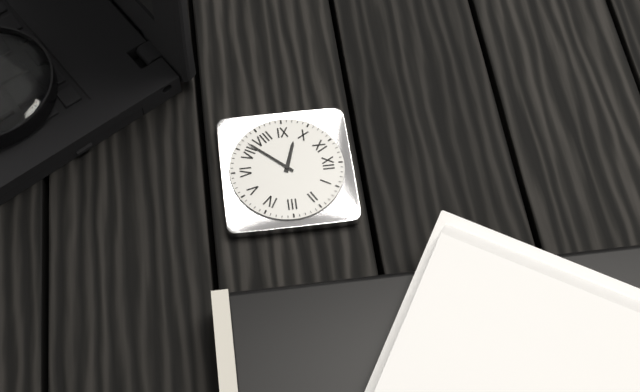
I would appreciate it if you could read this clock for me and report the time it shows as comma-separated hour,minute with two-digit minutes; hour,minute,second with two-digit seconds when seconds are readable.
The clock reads 9,37
